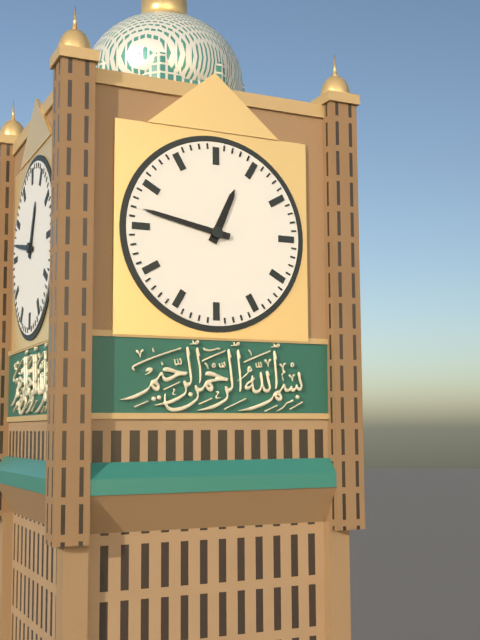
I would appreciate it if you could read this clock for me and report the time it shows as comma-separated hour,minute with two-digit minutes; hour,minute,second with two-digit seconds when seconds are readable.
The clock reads 12,47
